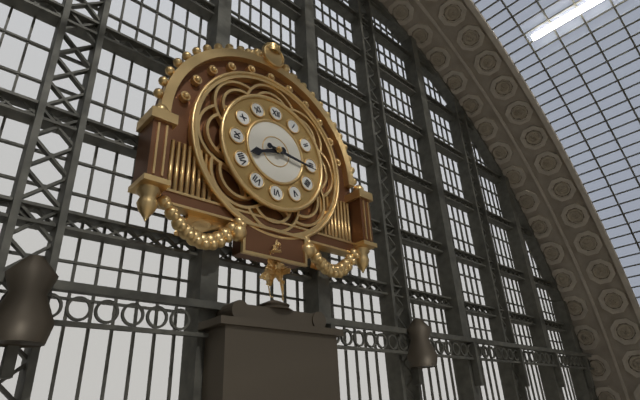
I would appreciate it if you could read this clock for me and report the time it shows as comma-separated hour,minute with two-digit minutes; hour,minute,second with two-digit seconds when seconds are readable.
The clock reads 8,16
